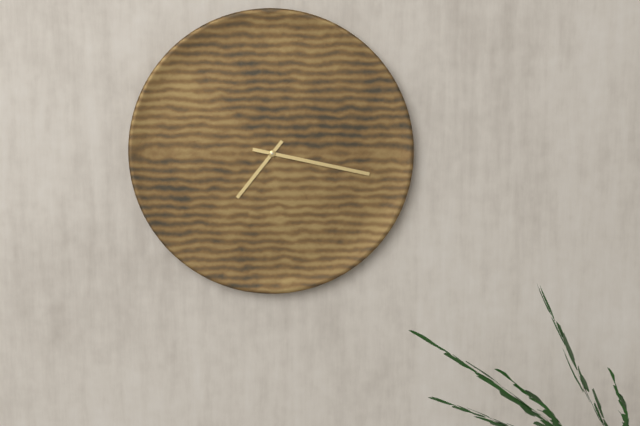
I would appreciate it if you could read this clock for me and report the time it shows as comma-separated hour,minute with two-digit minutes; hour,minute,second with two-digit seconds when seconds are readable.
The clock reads 7,17
